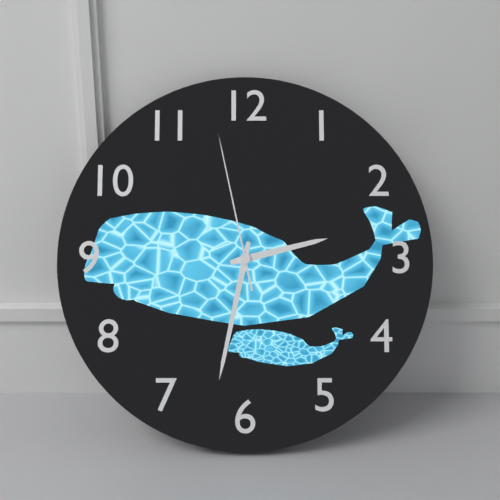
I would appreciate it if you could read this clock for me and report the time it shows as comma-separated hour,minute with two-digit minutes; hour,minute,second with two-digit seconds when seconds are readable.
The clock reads 2,32,58
